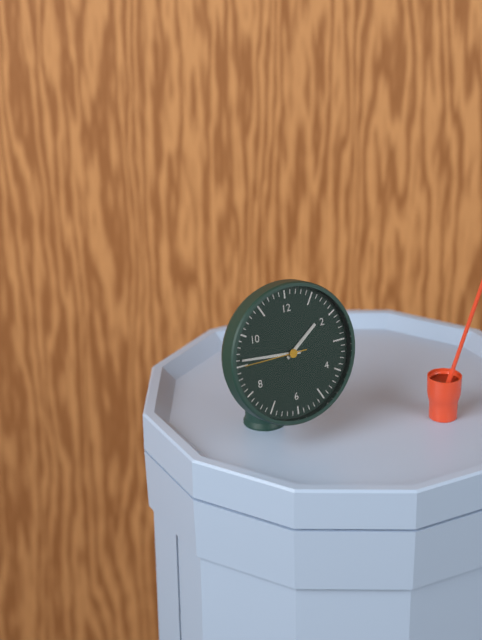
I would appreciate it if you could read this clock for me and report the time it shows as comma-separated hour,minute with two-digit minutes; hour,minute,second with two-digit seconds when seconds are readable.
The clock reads 1,46,45
